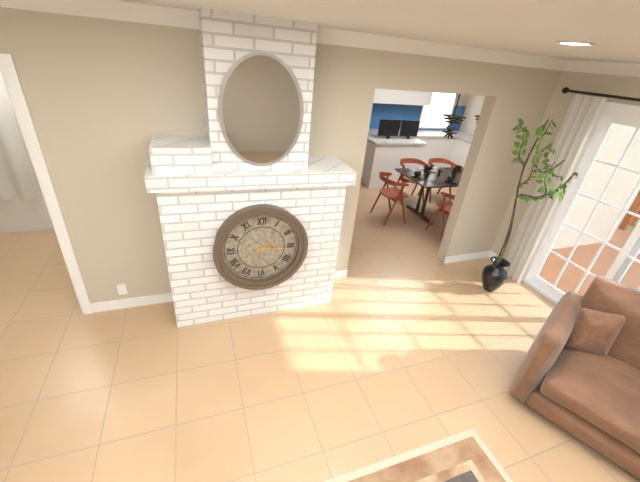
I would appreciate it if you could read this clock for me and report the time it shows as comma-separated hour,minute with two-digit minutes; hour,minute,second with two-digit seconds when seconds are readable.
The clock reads 2,16
